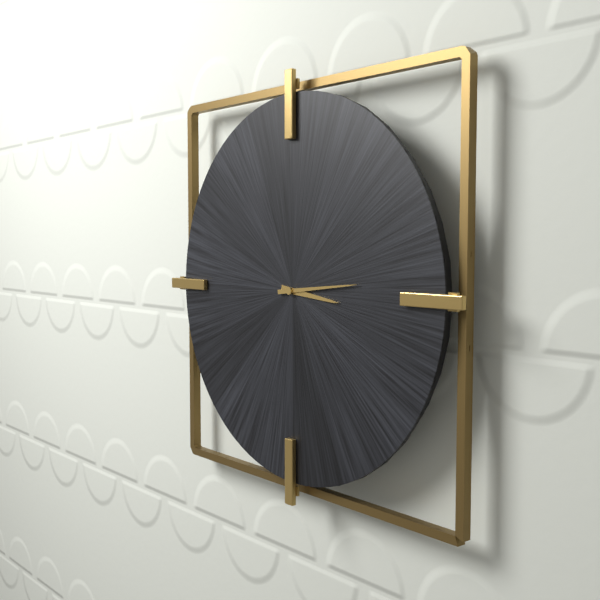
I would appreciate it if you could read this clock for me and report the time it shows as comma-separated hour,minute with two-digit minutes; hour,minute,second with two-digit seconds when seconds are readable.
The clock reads 3,14
